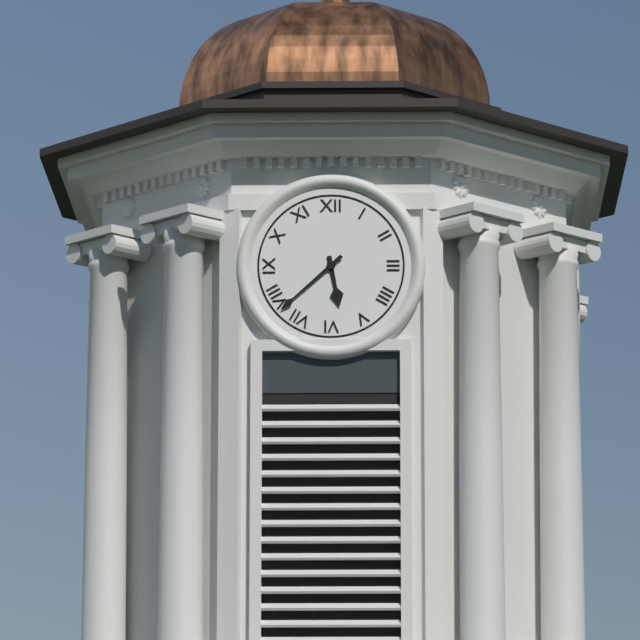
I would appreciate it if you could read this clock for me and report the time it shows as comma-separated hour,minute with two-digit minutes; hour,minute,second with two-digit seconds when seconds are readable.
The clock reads 5,38
